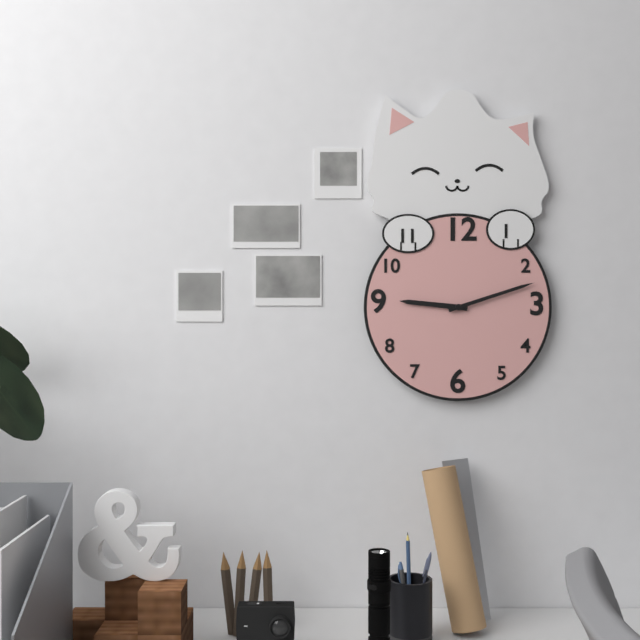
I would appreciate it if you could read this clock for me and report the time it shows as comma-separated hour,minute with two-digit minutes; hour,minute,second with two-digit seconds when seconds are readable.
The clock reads 9,12
